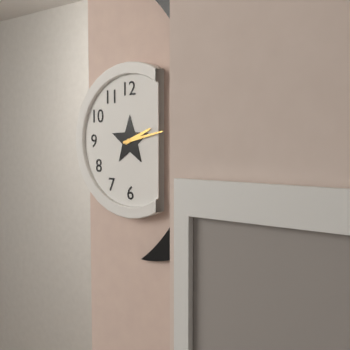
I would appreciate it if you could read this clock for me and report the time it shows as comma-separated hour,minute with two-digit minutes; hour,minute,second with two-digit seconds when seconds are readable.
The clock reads 2,13
